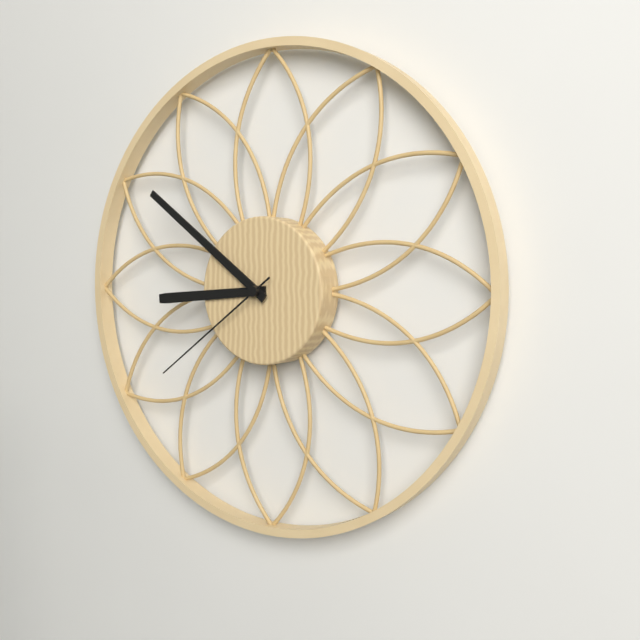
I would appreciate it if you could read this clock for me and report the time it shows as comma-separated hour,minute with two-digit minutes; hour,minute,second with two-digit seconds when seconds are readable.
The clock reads 8,51,39
